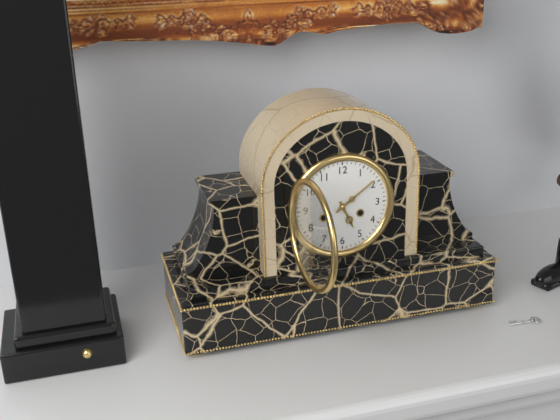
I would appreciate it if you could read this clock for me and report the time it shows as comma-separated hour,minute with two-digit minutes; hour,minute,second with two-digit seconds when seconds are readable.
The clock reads 5,09
